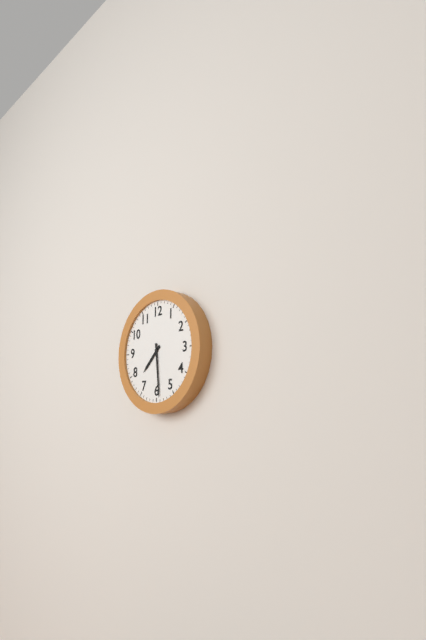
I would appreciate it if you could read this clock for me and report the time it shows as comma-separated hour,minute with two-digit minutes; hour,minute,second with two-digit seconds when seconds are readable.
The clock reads 7,29
